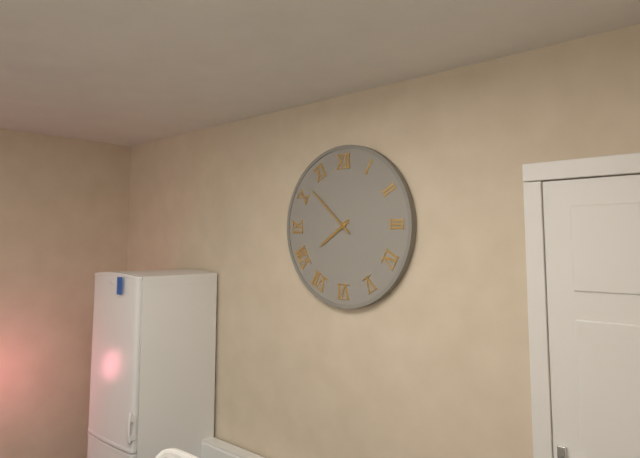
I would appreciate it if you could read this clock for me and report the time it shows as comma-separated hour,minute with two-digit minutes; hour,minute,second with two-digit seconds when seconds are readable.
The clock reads 7,52
